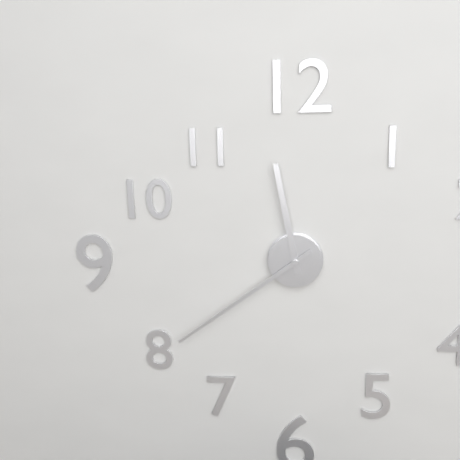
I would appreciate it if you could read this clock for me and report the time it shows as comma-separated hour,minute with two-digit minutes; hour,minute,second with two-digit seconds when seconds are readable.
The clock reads 11,39
